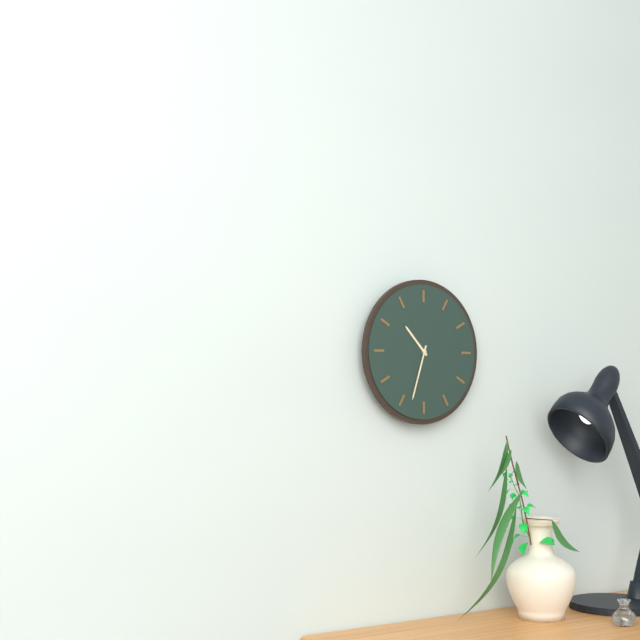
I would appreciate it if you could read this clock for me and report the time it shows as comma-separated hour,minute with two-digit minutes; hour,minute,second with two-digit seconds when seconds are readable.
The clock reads 10,33
